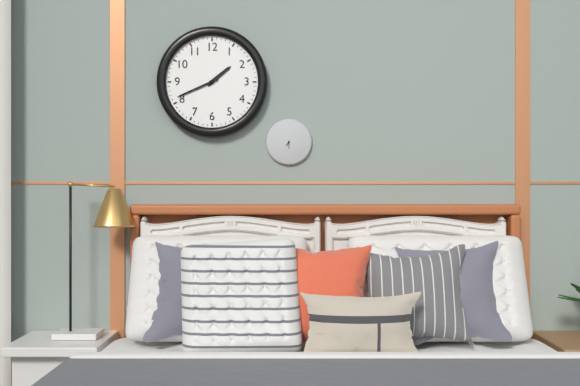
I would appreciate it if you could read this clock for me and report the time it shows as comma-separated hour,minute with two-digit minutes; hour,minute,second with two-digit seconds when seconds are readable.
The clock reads 1,41
